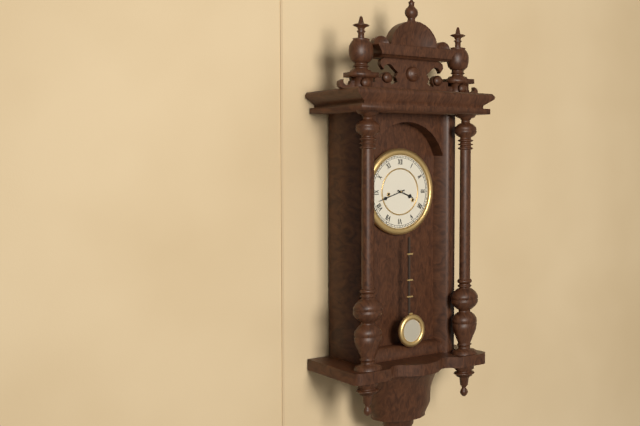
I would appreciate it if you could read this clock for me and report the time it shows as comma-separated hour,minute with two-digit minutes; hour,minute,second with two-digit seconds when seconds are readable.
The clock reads 3,42
